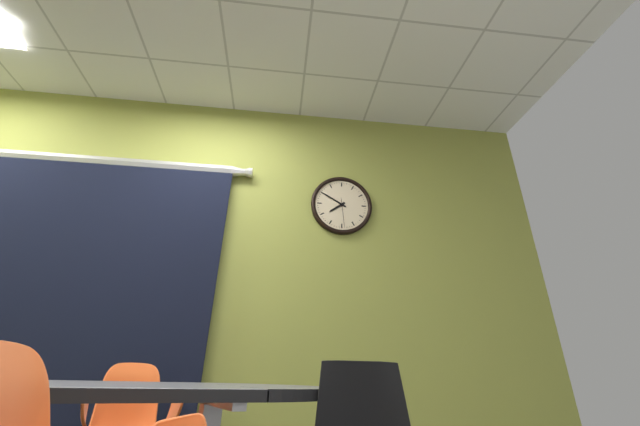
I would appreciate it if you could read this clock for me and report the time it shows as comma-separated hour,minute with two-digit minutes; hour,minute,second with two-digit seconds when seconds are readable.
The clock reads 7,50
